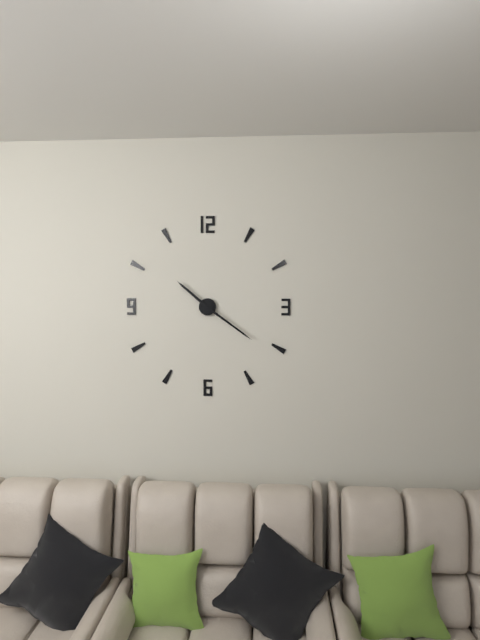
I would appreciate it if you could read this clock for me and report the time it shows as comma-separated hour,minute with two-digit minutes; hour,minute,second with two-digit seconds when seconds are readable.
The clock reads 10,21
